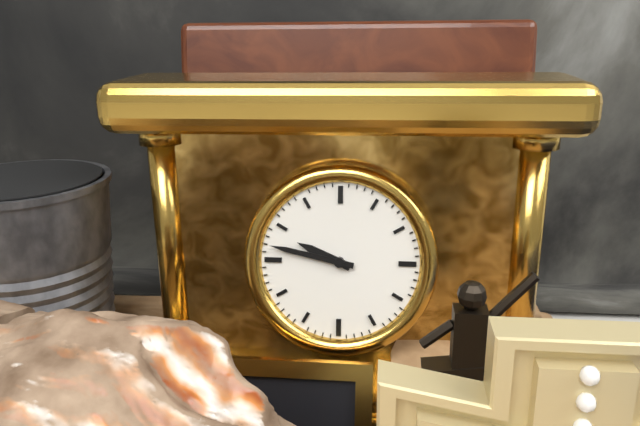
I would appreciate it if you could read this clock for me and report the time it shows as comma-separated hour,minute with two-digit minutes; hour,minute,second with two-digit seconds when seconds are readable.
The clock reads 9,47
